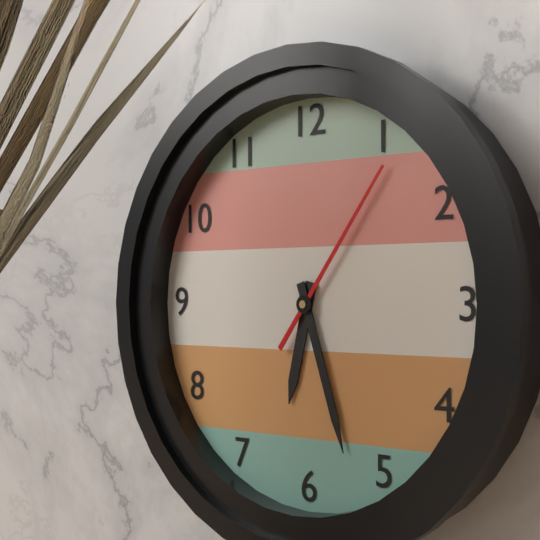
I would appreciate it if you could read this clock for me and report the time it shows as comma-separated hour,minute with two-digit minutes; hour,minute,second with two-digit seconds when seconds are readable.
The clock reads 6,27,06
